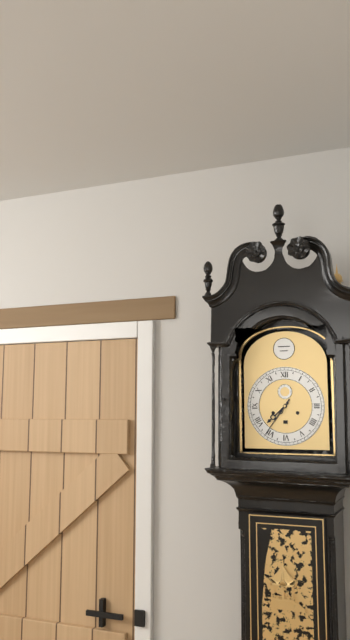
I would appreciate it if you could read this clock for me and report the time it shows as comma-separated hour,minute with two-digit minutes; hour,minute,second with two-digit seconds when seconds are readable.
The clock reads 7,36
